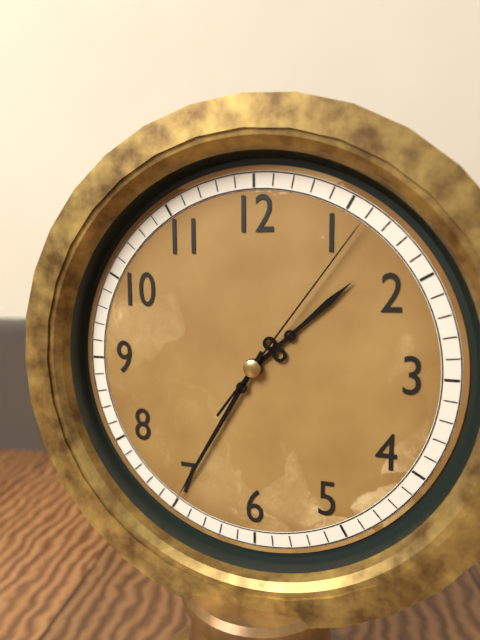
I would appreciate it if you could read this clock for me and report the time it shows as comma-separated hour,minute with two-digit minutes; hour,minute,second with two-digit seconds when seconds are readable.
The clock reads 1,35,06
